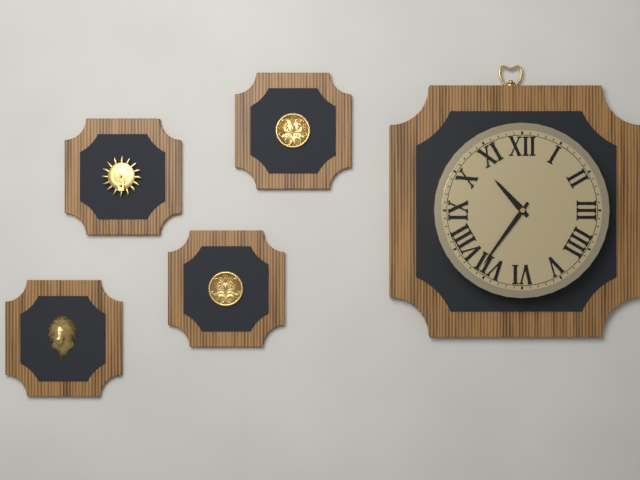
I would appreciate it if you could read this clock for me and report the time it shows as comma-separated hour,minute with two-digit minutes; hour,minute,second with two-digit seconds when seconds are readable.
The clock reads 10,36
